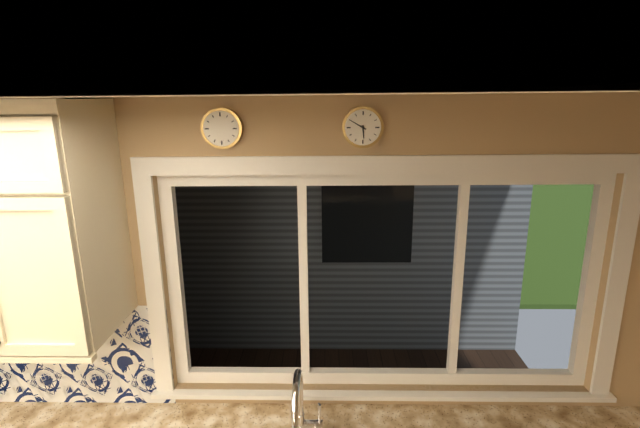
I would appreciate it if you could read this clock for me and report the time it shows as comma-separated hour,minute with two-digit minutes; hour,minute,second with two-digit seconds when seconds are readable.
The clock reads 5,50
